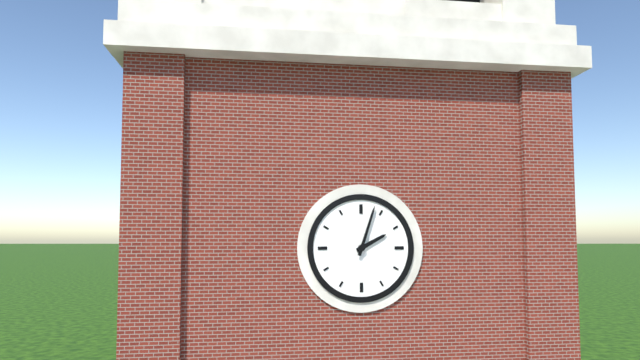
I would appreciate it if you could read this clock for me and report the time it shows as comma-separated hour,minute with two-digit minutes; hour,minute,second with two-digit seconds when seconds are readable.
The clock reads 2,03
